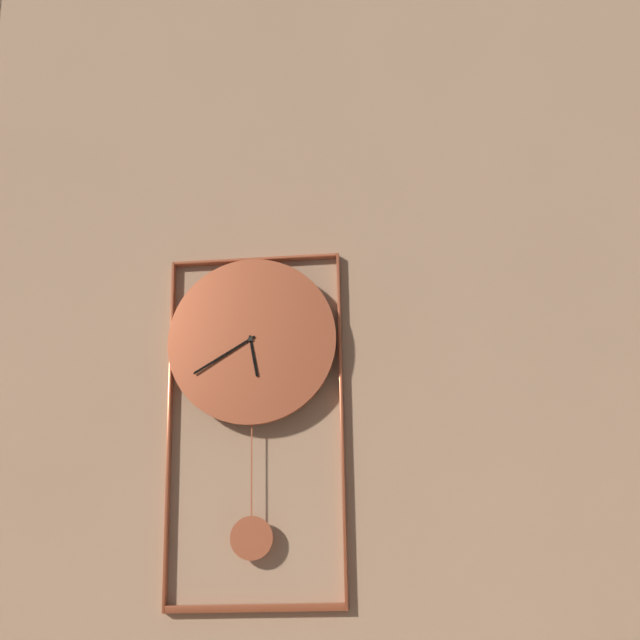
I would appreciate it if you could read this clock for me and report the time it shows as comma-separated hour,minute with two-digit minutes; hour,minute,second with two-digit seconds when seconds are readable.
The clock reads 5,40
